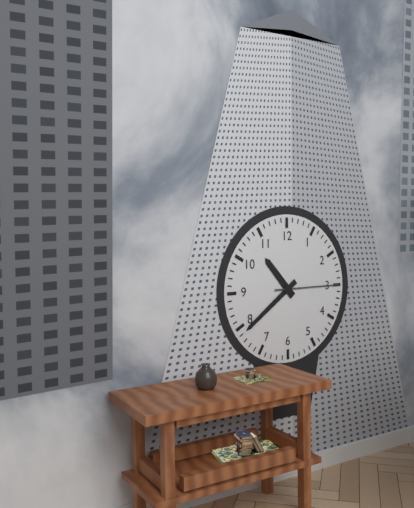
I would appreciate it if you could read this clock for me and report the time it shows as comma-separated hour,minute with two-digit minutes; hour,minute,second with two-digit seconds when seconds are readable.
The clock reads 10,39,15
